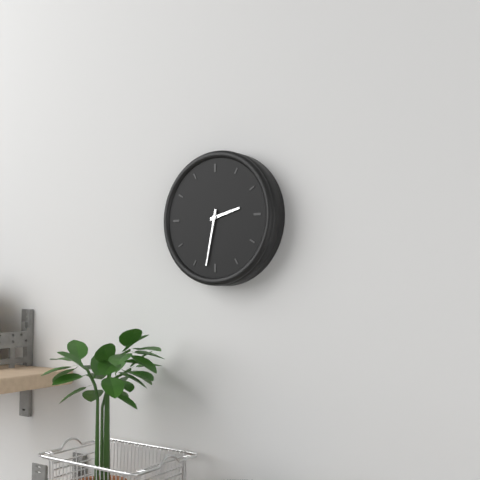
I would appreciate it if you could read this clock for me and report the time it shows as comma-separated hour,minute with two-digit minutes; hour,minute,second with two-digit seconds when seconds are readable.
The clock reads 2,32
